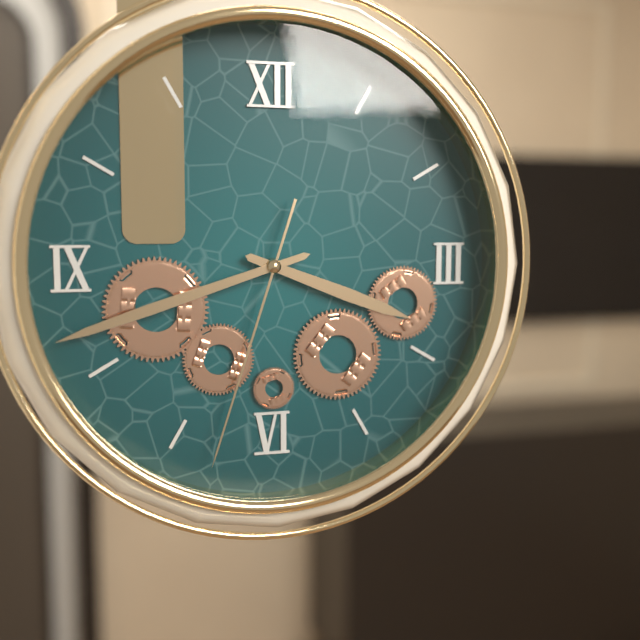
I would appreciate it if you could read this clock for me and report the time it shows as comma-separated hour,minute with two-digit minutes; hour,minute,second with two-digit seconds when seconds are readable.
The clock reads 3,42,33
